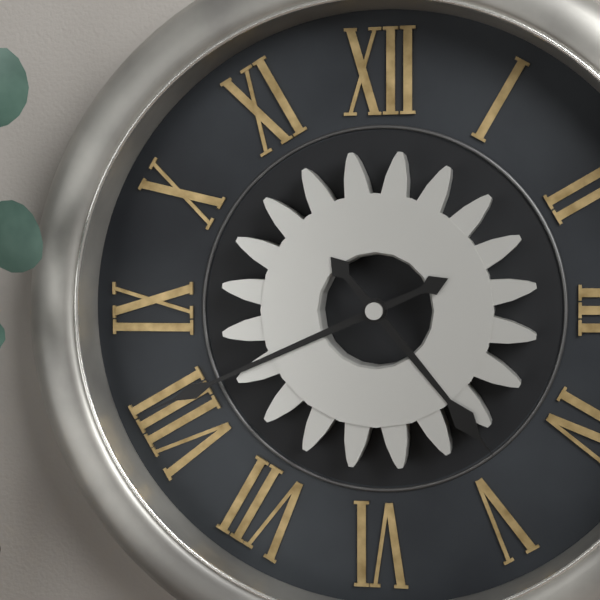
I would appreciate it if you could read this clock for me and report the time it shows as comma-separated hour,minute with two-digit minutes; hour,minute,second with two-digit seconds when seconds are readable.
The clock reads 4,41
